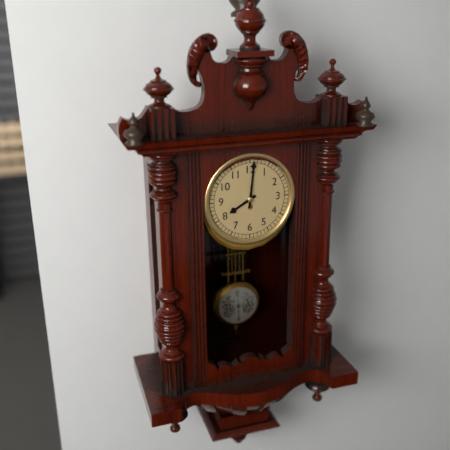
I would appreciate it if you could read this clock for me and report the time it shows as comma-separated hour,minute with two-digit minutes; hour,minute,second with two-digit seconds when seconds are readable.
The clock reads 8,01
